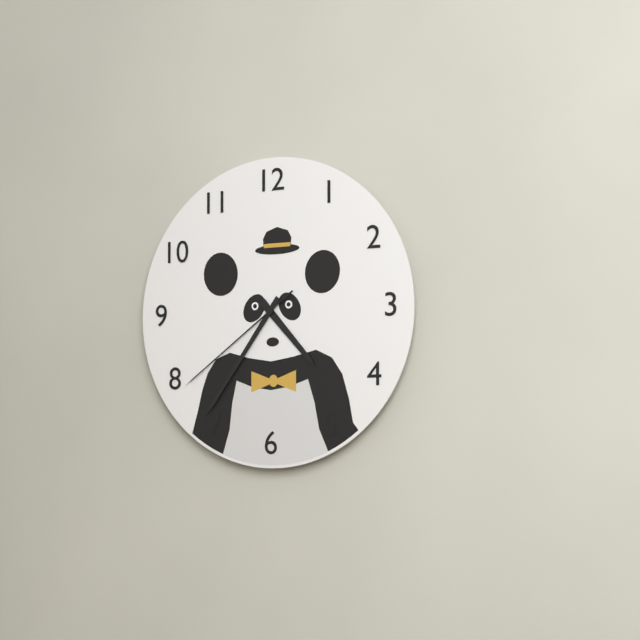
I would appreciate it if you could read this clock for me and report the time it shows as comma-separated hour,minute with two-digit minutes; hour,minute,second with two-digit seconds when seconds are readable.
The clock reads 4,36,39
